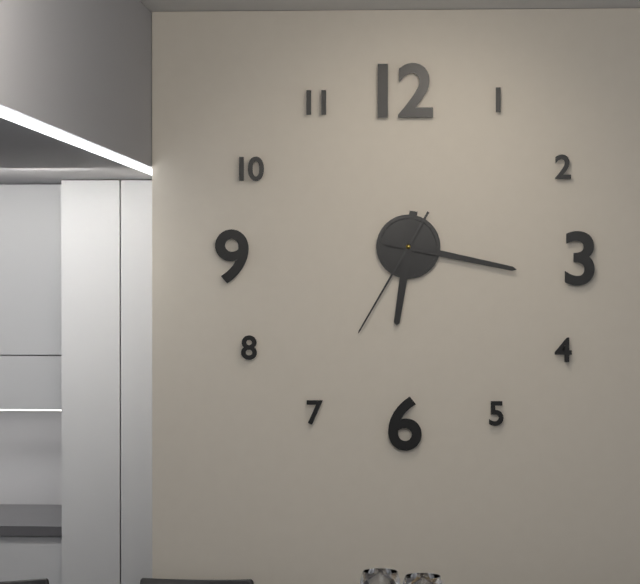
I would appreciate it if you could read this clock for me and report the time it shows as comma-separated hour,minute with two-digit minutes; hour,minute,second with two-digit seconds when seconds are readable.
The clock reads 6,17,35
